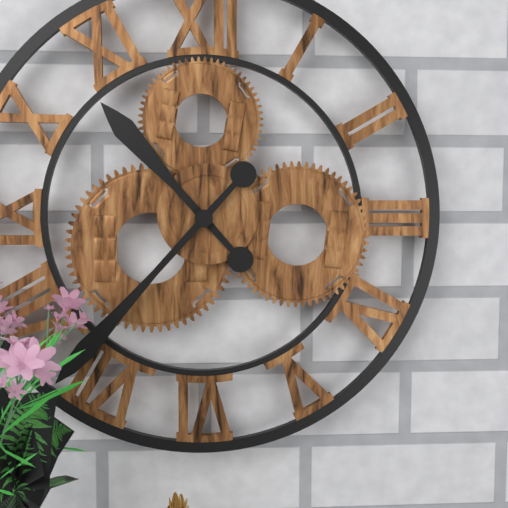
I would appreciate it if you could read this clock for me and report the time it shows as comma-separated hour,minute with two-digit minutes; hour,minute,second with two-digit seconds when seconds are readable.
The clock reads 10,37
